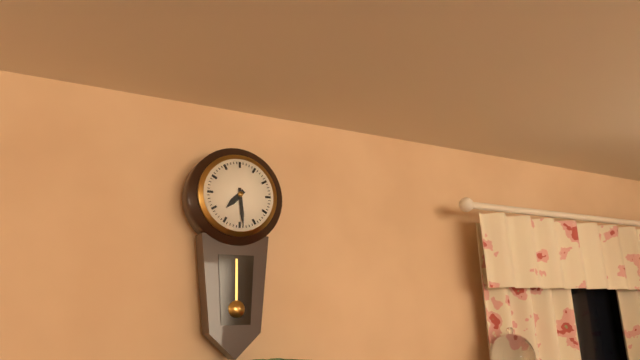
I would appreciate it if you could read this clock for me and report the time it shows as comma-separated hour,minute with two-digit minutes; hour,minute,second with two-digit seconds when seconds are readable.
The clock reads 7,29
